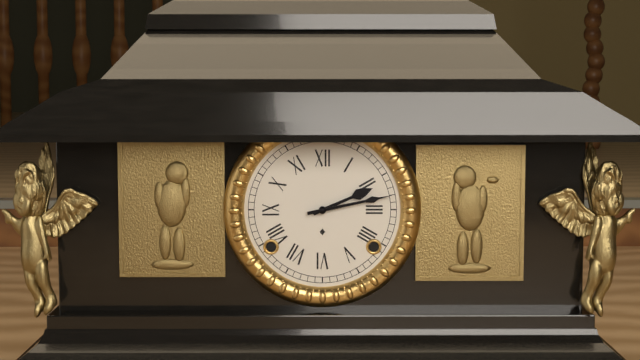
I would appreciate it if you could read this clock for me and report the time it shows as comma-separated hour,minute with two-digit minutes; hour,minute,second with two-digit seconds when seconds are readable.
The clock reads 2,13
